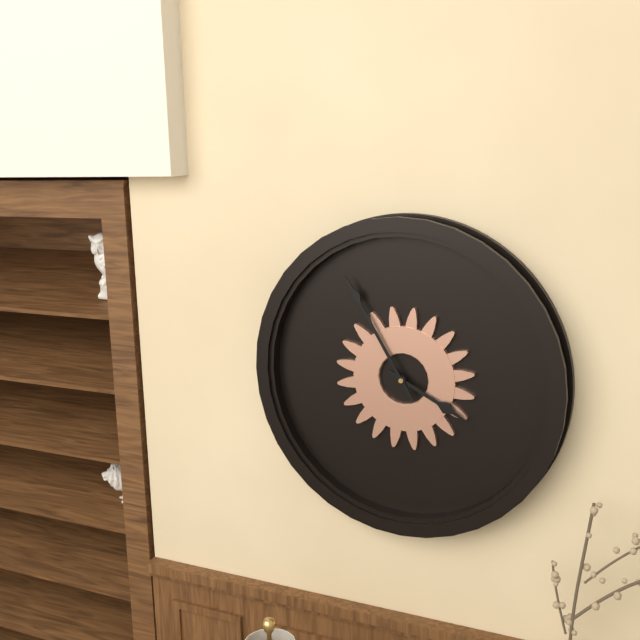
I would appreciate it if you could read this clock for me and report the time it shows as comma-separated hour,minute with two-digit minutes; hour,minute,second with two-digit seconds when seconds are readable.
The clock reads 3,55
